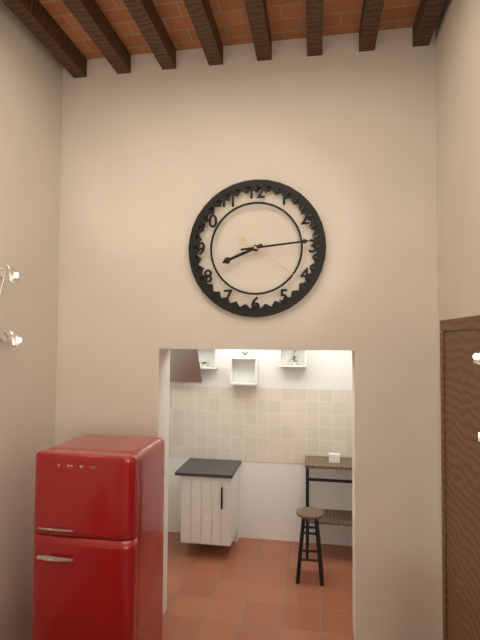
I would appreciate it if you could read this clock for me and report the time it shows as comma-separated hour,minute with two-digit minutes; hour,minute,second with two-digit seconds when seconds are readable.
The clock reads 8,14,21
